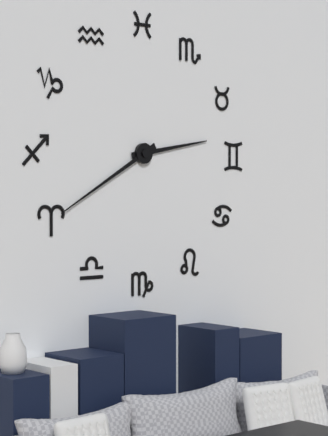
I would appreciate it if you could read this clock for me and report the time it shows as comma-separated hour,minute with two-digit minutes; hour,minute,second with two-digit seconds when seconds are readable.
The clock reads 2,40
